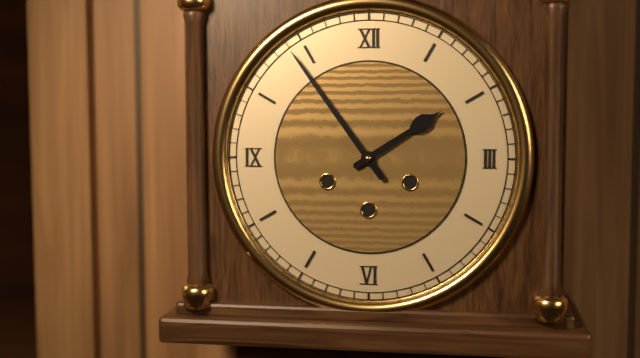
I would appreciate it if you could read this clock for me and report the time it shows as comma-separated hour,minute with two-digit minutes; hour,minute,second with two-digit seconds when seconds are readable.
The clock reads 1,54
